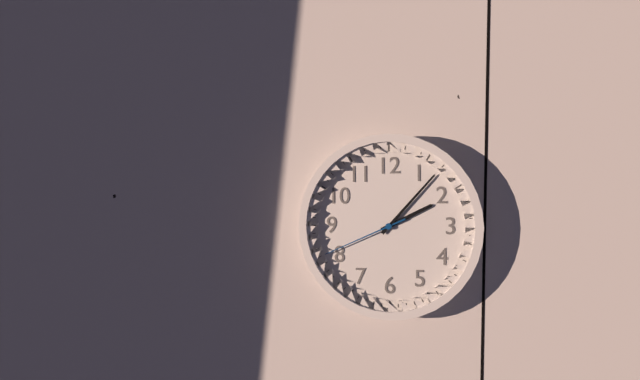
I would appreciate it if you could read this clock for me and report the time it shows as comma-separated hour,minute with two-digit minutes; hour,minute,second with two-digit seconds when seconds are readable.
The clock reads 2,07,41
